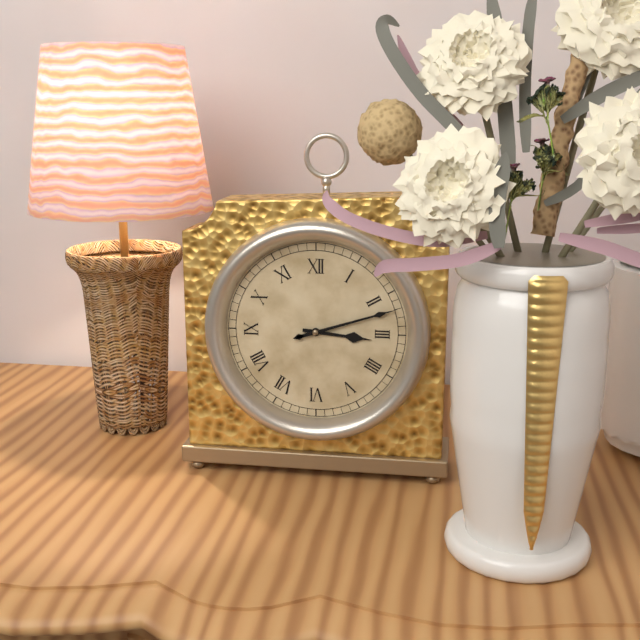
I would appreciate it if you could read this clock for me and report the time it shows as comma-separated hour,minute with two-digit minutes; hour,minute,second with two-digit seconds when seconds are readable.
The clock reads 3,12
